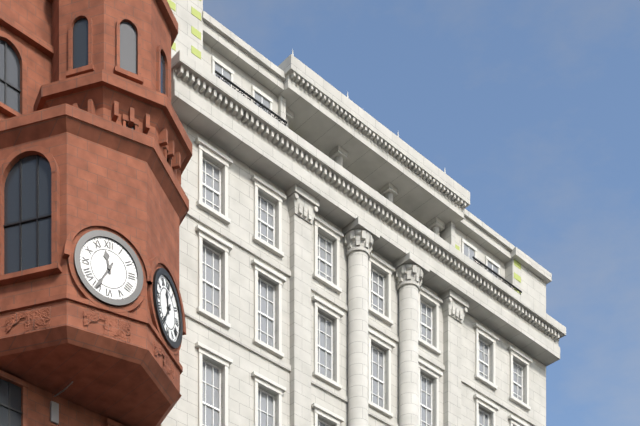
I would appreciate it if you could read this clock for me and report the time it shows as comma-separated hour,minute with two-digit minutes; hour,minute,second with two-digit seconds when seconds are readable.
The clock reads 11,35
